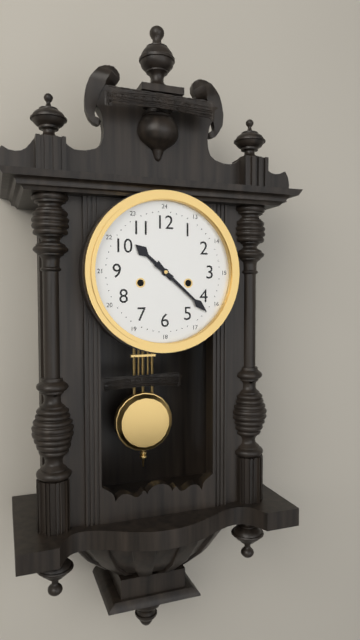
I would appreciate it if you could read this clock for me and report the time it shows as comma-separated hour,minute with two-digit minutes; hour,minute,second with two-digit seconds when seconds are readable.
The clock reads 10,22
